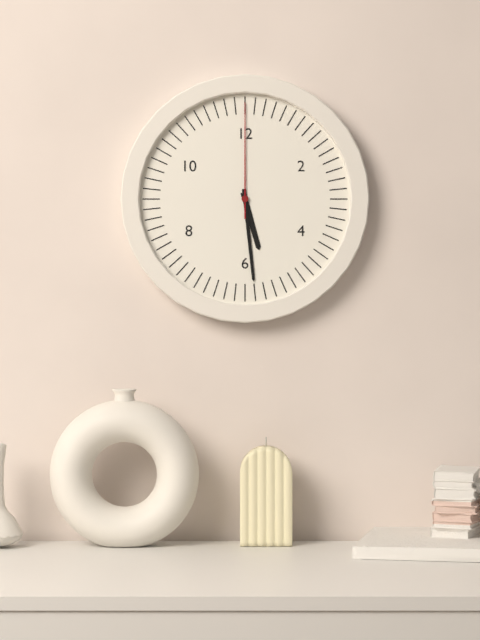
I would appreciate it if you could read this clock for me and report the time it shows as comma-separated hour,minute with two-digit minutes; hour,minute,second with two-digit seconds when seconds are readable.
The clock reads 5,29,00
